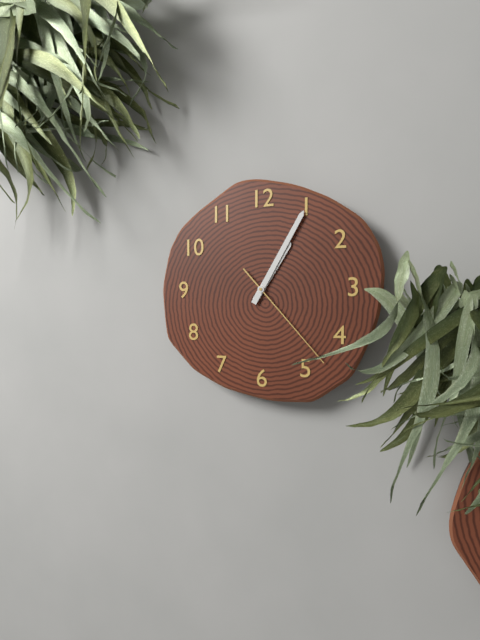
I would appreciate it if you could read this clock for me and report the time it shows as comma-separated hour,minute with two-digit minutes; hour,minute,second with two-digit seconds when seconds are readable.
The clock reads 1,05,23
